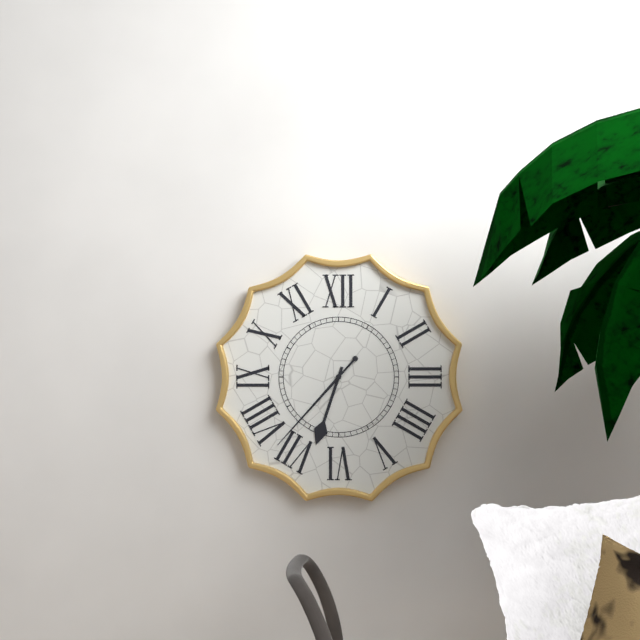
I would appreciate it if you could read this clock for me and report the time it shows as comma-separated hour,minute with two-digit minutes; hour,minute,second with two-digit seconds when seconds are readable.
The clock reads 6,37
